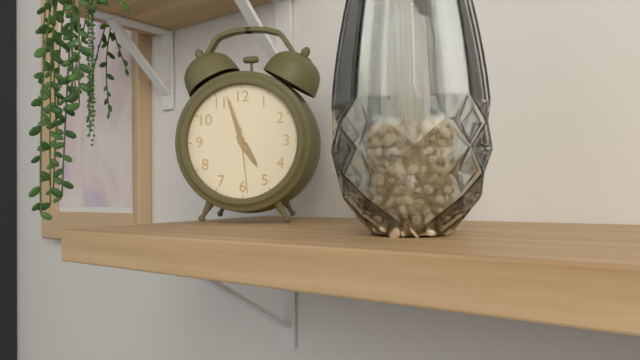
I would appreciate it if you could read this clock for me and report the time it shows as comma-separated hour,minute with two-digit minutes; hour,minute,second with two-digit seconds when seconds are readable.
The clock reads 4,57,29
